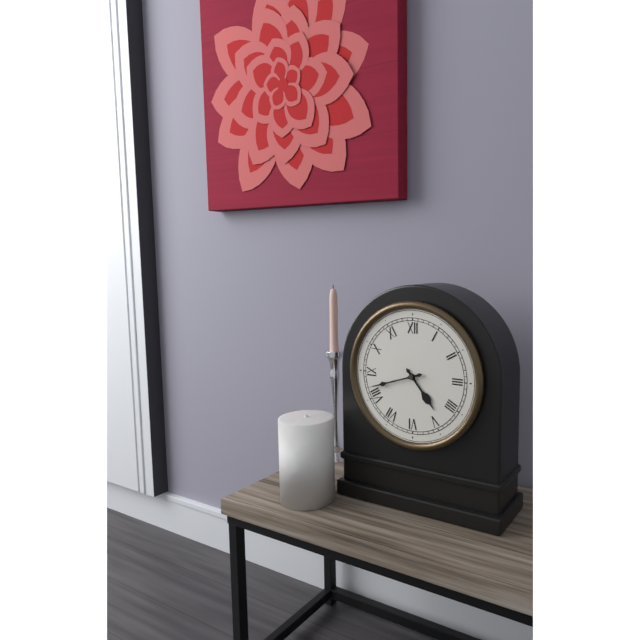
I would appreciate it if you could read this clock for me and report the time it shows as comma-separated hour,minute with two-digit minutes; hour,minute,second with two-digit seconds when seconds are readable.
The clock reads 4,42
